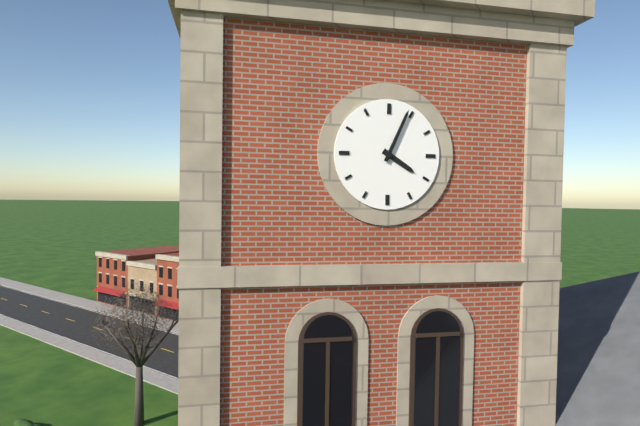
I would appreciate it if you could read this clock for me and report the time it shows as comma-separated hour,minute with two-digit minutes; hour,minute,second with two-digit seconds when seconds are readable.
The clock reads 4,04
